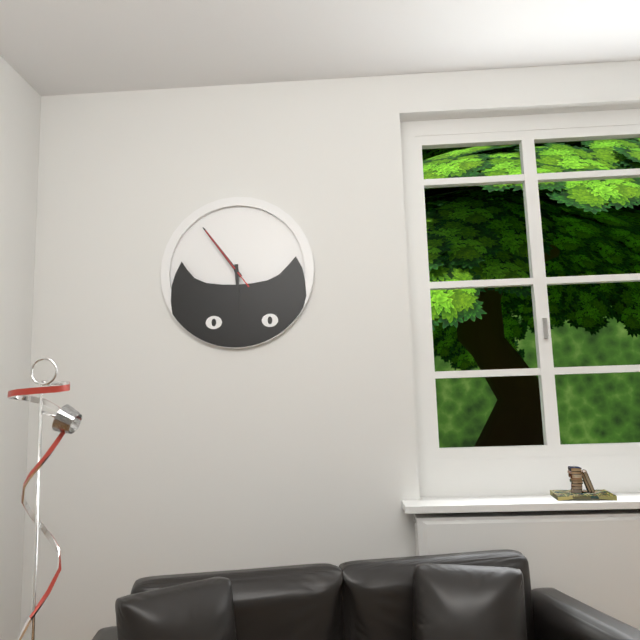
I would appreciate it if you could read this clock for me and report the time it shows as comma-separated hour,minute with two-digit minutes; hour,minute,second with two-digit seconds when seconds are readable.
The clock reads 5,54,54
